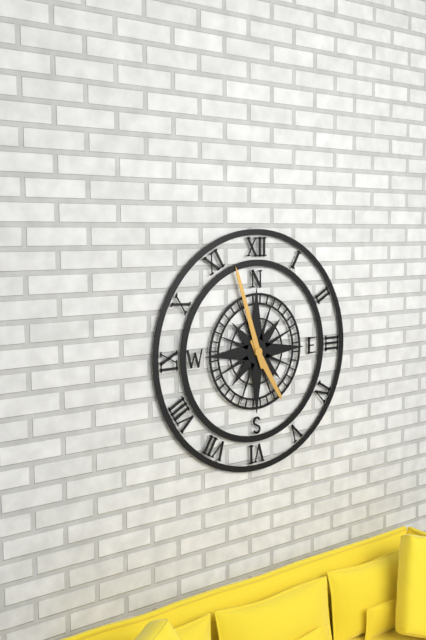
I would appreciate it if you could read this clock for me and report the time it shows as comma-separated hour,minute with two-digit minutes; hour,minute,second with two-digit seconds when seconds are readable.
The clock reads 4,57
